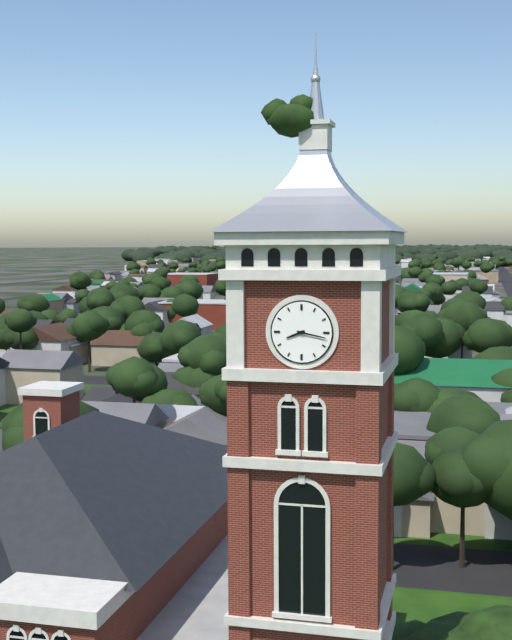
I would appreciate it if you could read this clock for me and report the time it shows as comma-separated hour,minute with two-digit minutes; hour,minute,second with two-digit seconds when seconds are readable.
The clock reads 8,17
